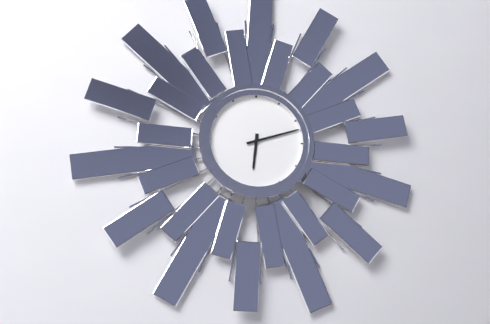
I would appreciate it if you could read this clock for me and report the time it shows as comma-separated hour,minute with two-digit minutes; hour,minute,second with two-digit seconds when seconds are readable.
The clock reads 6,12
